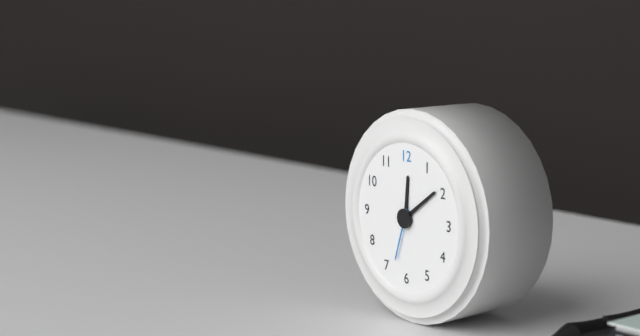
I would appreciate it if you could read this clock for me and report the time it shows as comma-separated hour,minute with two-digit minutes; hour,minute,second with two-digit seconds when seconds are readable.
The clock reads 12,09,33
